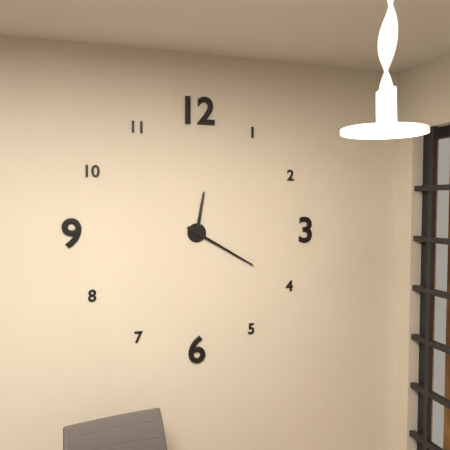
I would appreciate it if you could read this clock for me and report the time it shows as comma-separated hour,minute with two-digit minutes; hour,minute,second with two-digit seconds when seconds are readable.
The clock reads 12,20
